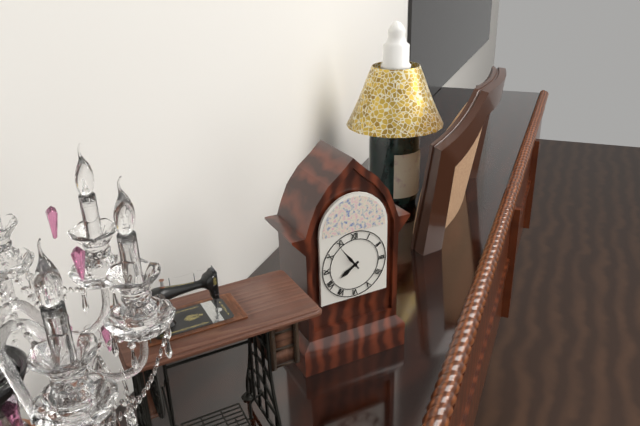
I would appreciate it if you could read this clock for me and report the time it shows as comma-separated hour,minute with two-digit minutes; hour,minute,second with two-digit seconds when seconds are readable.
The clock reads 7,54
